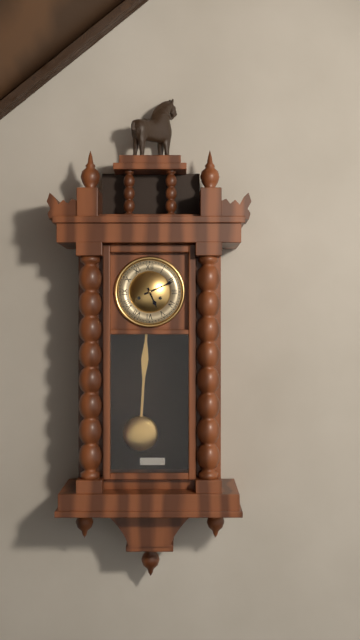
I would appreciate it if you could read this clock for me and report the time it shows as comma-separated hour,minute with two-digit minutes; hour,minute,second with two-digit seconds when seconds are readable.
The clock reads 5,11
